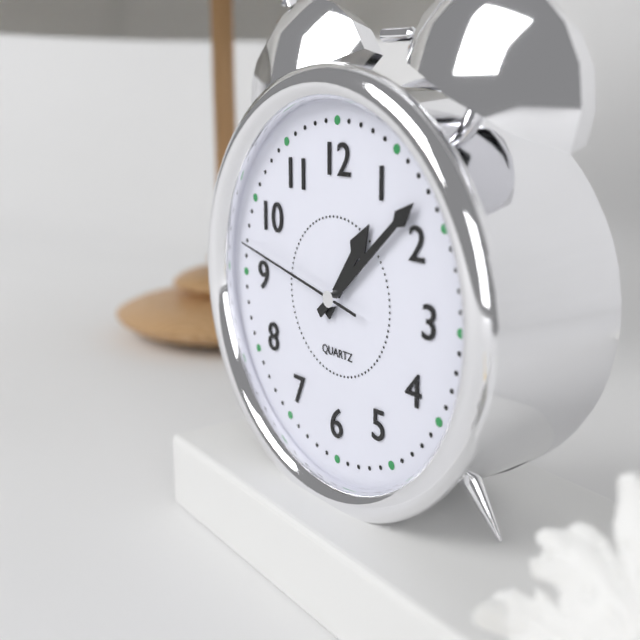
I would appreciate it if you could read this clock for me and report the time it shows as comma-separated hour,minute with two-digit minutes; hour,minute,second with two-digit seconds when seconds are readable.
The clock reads 1,08,47
